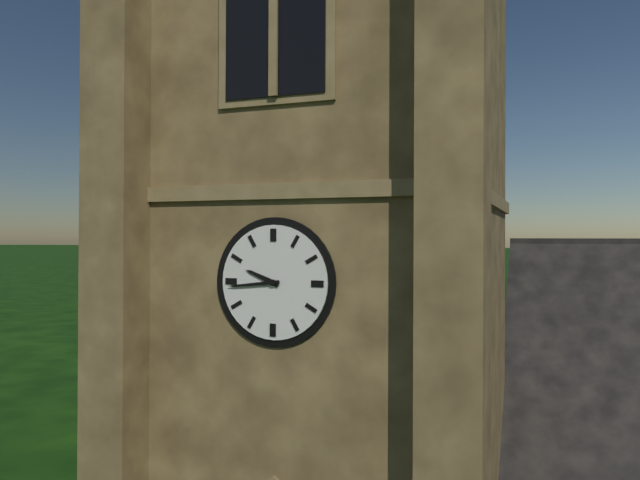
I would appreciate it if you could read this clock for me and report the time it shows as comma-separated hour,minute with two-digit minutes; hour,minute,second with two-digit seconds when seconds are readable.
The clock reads 9,44
